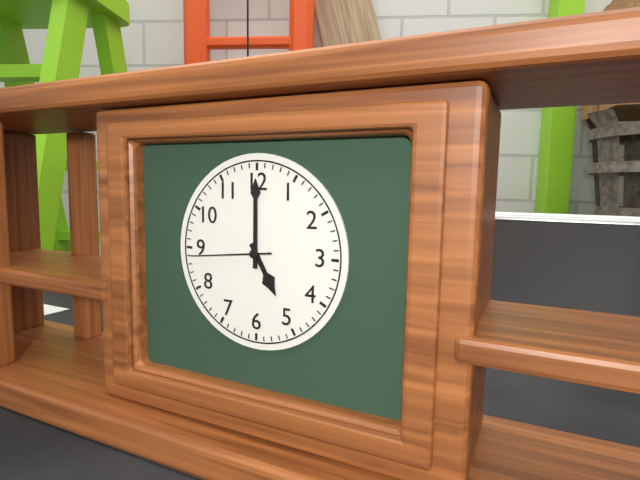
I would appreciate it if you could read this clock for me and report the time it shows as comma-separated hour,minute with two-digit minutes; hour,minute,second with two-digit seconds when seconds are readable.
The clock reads 5,00,44
